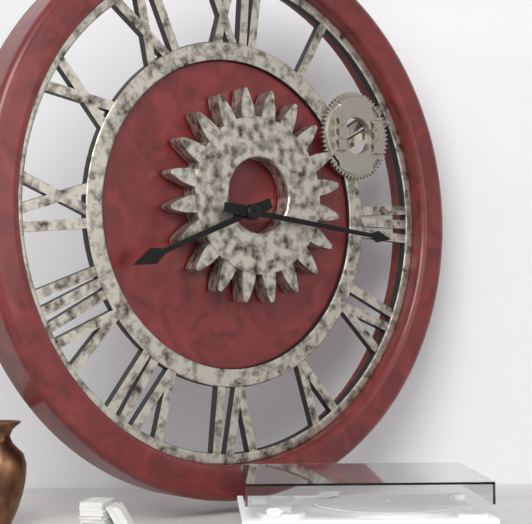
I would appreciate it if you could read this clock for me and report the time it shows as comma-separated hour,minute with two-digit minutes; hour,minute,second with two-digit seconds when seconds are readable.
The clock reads 8,16
